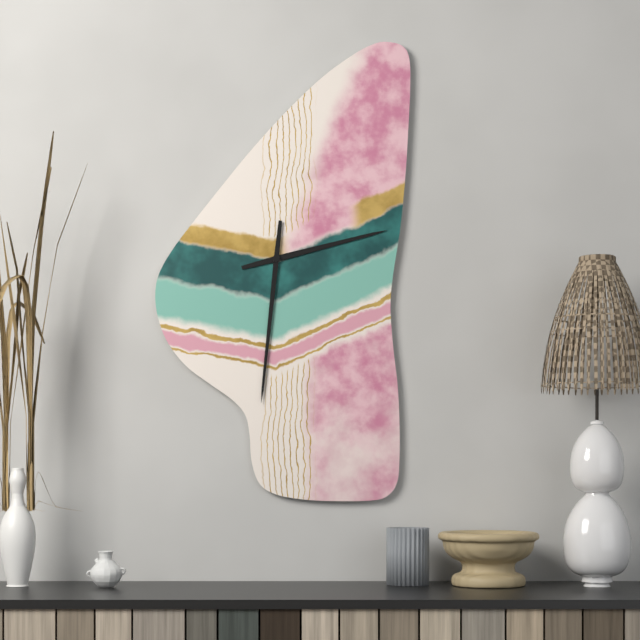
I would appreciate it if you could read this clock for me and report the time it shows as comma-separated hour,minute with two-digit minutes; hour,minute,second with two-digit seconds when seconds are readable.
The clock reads 2,31
